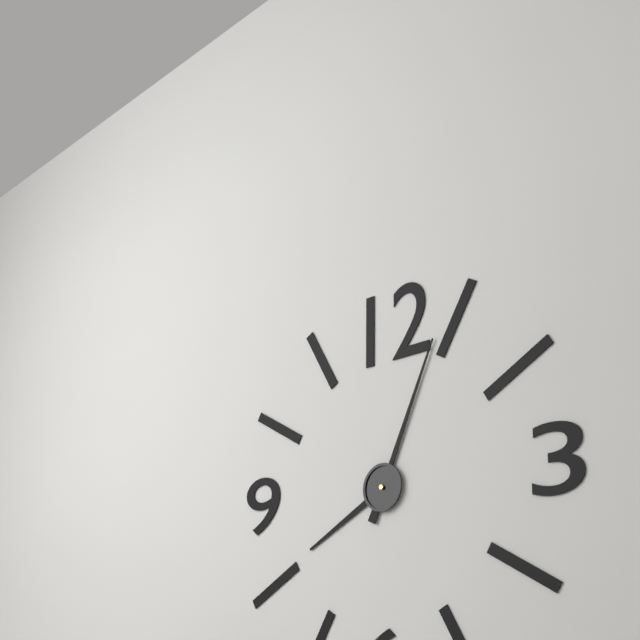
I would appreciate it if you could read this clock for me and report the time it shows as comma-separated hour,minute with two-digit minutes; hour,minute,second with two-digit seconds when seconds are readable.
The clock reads 8,04
